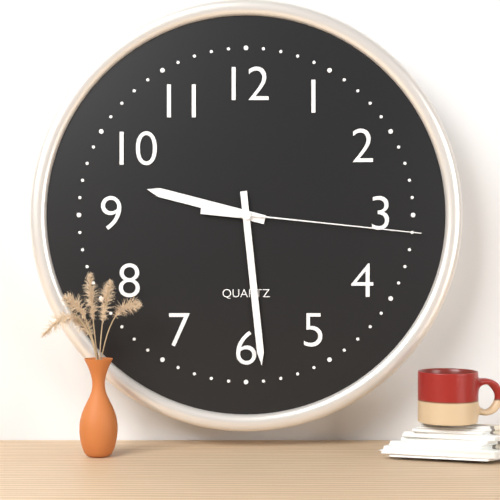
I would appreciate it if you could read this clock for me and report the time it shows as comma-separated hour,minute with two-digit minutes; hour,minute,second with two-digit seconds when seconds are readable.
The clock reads 9,29,16
